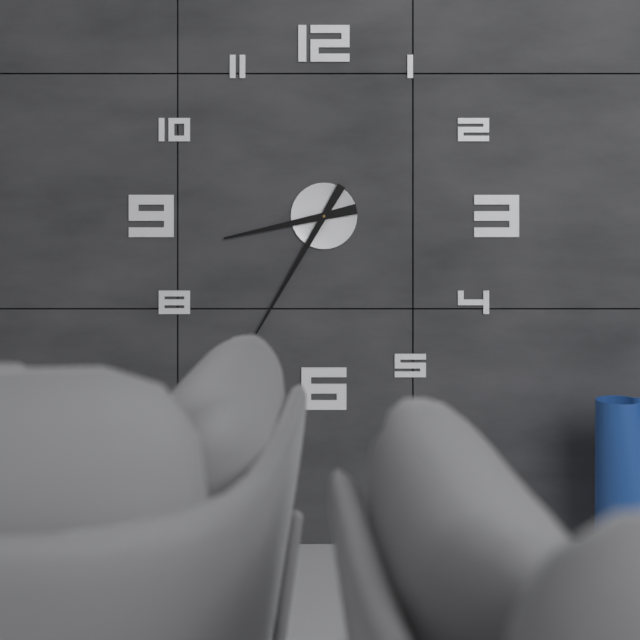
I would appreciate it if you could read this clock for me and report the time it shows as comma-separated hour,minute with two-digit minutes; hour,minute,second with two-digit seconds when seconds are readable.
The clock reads 8,35
